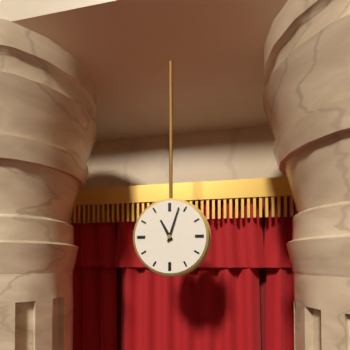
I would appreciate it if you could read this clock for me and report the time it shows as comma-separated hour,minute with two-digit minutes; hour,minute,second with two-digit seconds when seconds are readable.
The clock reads 11,03
